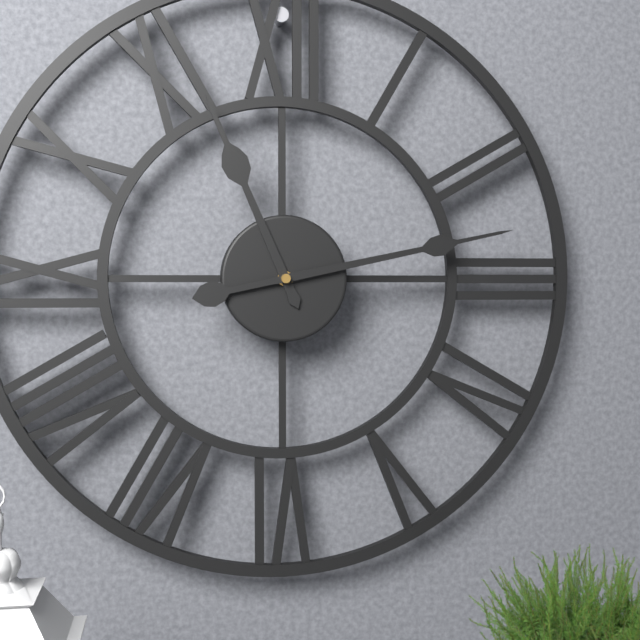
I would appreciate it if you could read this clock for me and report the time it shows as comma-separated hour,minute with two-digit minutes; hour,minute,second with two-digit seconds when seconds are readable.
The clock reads 11,13
